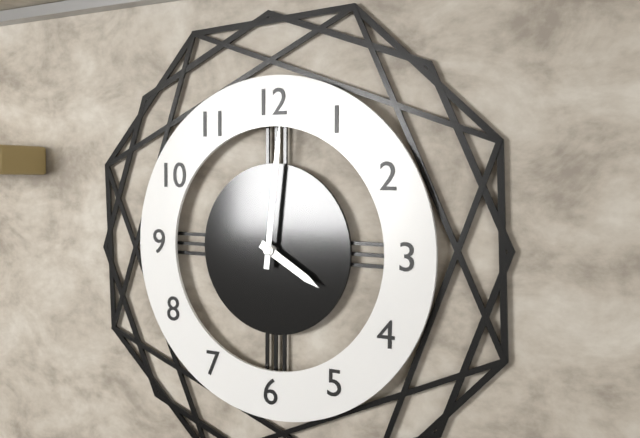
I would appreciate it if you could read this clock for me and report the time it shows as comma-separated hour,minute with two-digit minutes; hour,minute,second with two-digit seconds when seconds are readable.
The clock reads 4,01
